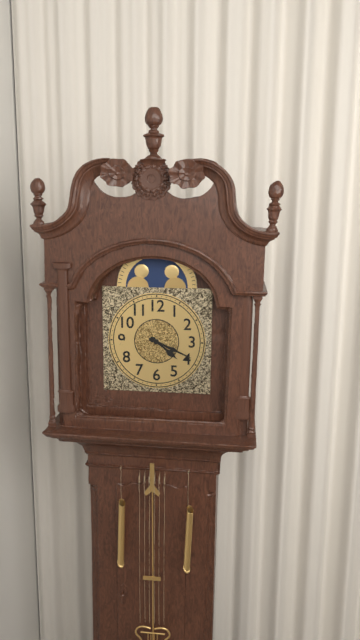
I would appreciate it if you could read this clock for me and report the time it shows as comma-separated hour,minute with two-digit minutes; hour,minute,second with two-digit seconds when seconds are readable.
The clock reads 4,19
